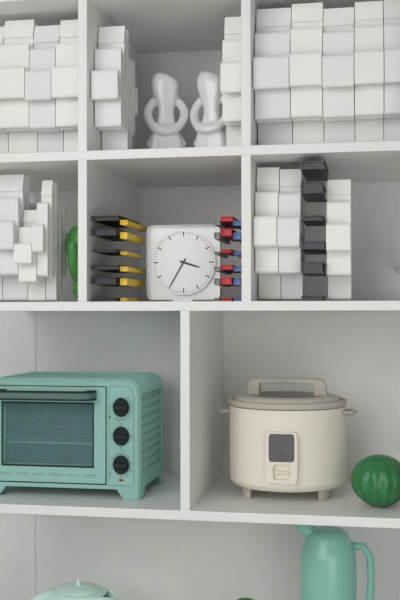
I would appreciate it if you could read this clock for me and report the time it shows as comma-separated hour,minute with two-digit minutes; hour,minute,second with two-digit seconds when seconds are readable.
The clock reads 3,35
